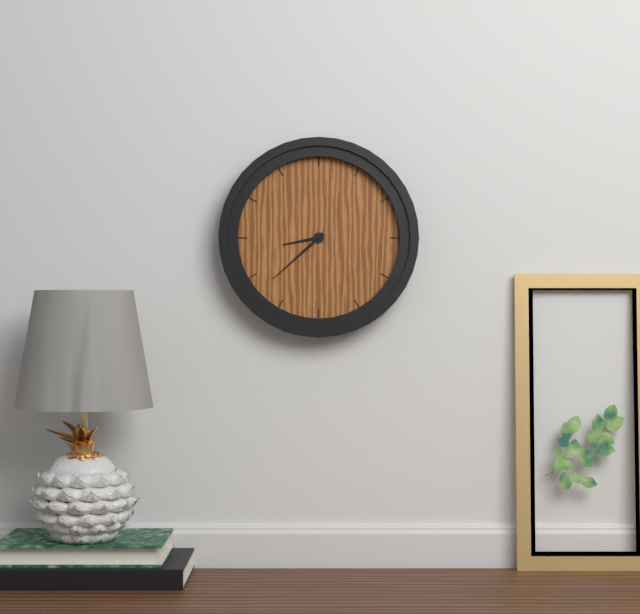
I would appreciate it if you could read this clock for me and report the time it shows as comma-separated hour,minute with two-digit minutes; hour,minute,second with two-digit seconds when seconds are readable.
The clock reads 8,38
